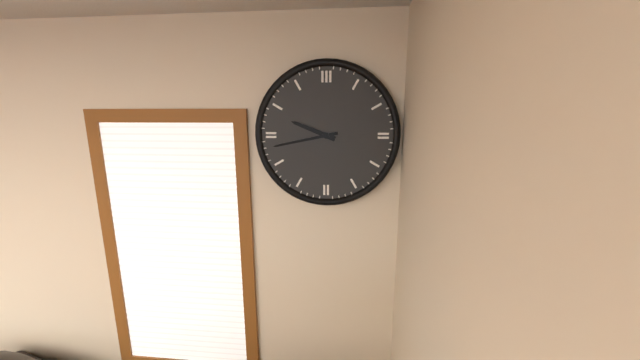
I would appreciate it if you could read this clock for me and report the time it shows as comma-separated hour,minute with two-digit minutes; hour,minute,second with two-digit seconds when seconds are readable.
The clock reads 9,43
